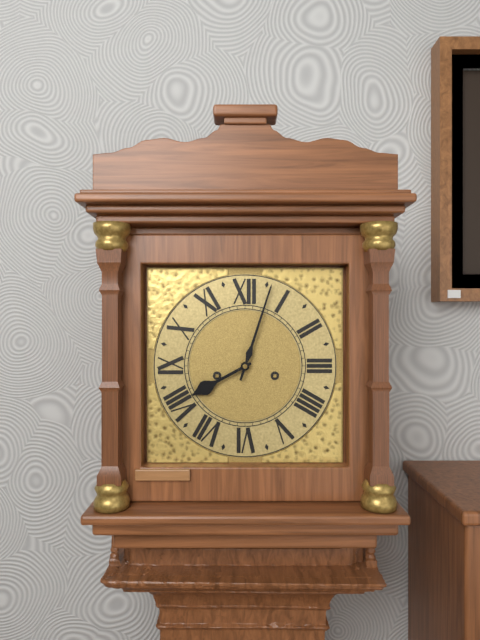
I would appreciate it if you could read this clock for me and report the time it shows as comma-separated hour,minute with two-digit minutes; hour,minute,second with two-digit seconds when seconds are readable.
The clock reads 8,03
